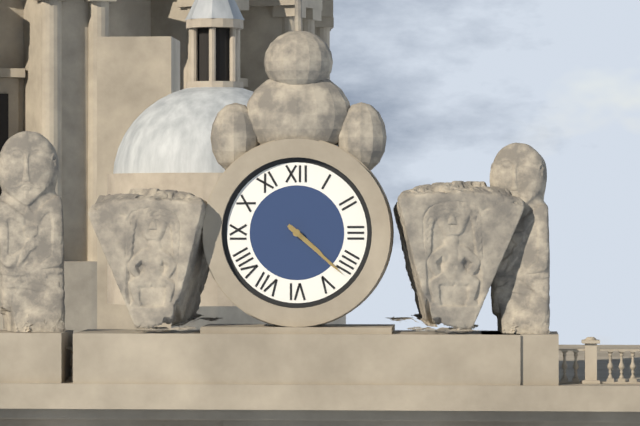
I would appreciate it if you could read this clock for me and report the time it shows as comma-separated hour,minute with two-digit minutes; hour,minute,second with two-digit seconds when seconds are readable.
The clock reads 4,22
